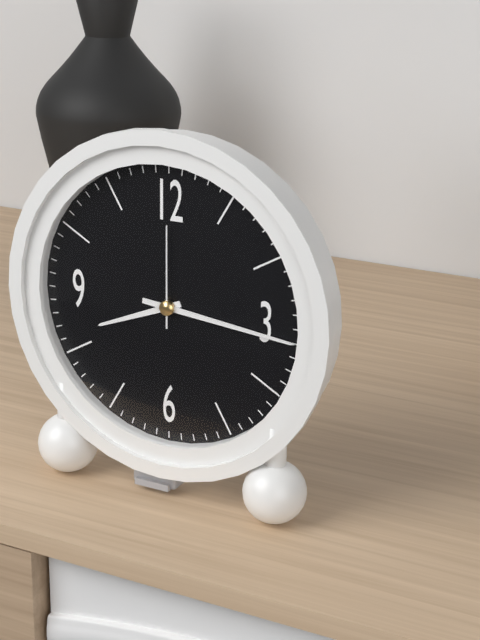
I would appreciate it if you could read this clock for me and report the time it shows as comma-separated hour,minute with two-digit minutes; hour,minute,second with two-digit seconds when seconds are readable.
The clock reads 8,16,00
